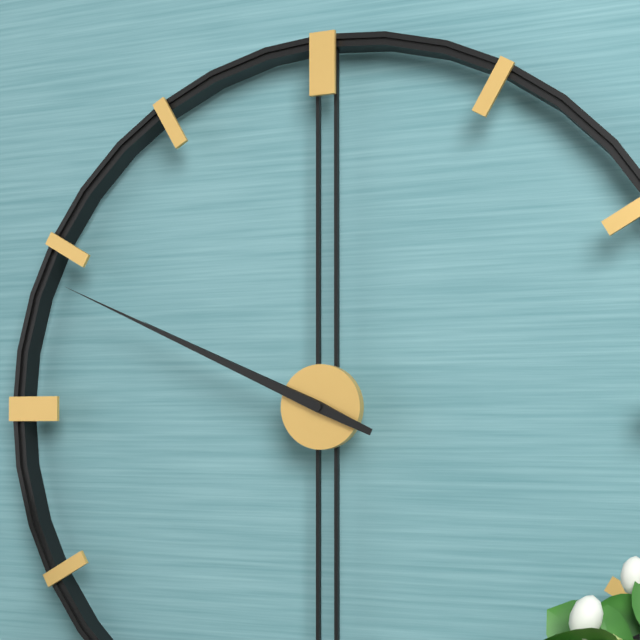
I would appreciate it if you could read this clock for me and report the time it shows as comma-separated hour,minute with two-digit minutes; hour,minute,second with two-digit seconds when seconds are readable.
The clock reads 9,49
